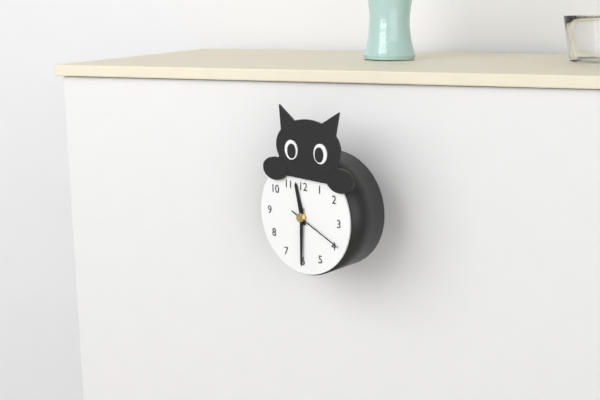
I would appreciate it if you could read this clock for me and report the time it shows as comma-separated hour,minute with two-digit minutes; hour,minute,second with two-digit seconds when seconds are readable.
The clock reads 11,30,19
